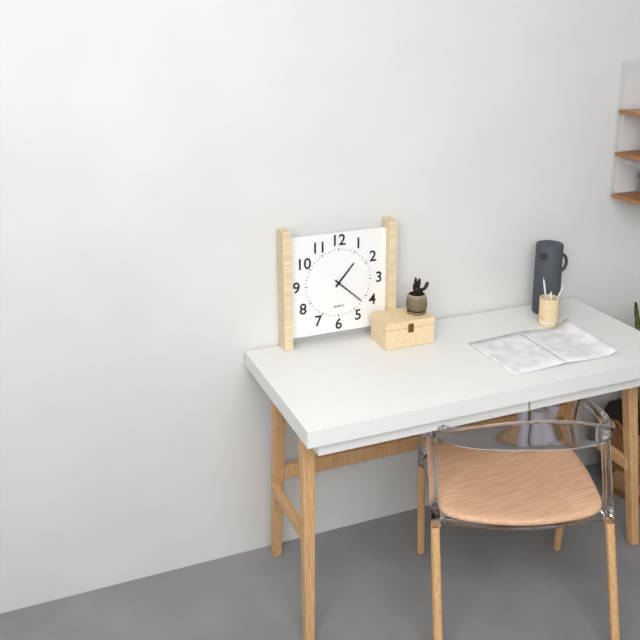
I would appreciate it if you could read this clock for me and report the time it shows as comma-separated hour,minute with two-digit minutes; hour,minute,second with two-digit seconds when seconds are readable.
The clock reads 1,22
